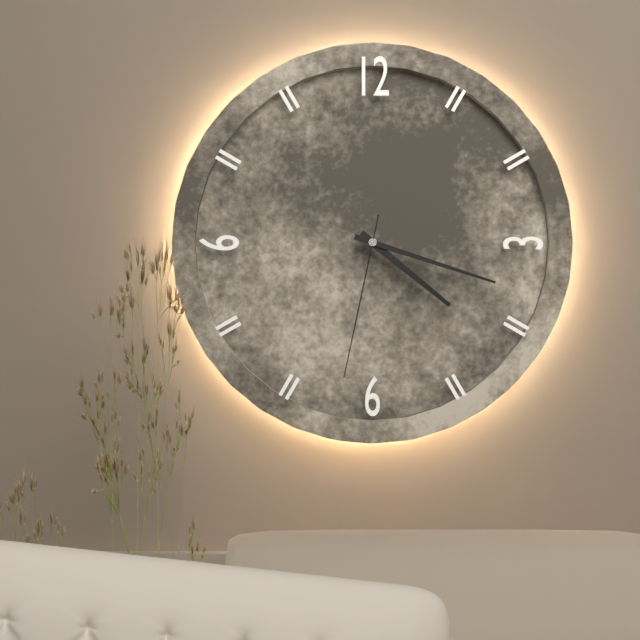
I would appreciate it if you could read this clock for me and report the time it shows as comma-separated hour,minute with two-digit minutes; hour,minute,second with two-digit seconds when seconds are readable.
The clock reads 4,18,32
